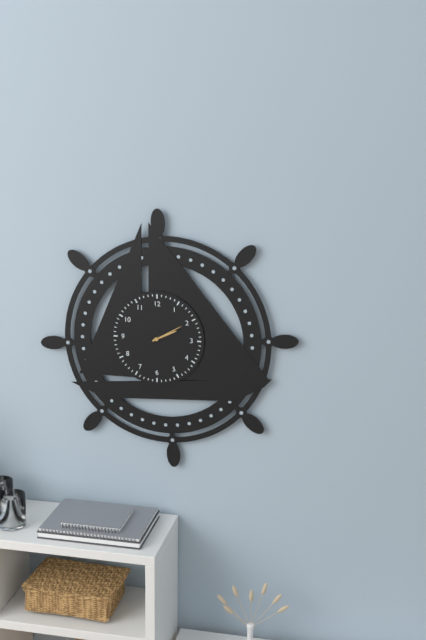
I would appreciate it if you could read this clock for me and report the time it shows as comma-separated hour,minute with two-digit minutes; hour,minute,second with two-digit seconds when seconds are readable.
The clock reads 2,10
